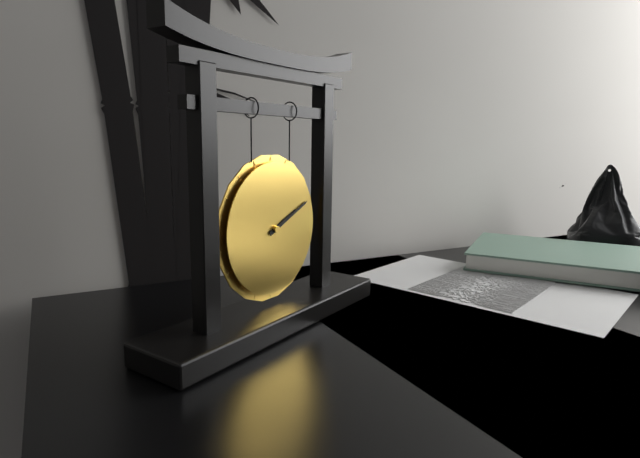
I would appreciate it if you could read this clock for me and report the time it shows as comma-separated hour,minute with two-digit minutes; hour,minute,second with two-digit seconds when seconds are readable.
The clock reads 2,11
